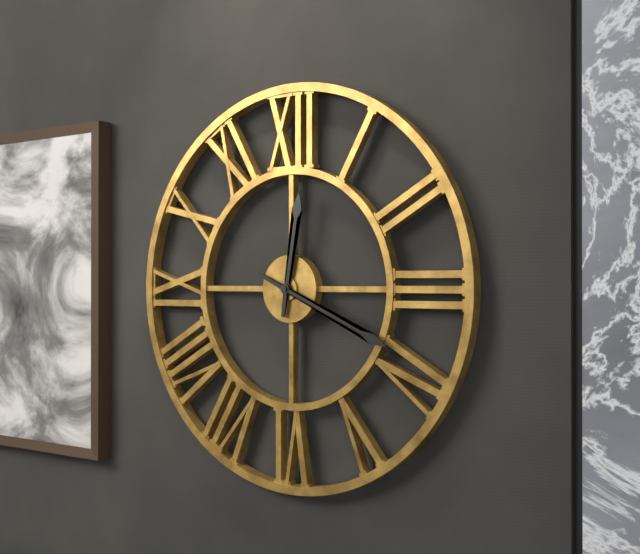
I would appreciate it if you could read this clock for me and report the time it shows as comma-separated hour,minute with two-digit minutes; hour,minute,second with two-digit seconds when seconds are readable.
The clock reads 12,19
